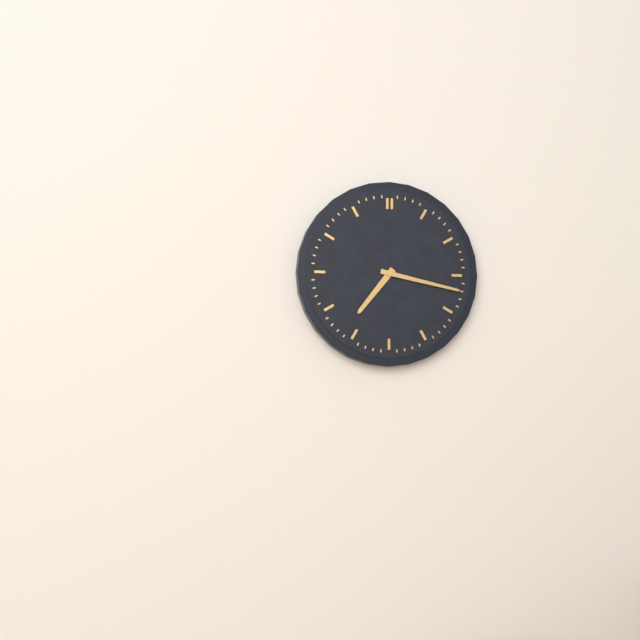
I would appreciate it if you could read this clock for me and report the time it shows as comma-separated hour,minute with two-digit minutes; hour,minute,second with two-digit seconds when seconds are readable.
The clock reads 7,17
